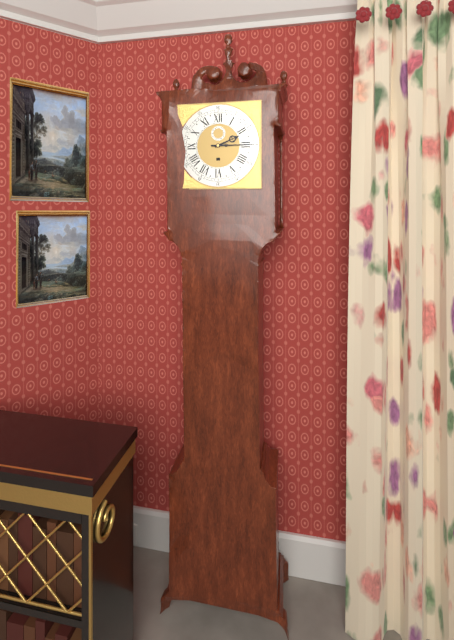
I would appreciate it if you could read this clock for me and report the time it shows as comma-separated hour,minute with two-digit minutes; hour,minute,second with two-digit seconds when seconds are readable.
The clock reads 2,15
